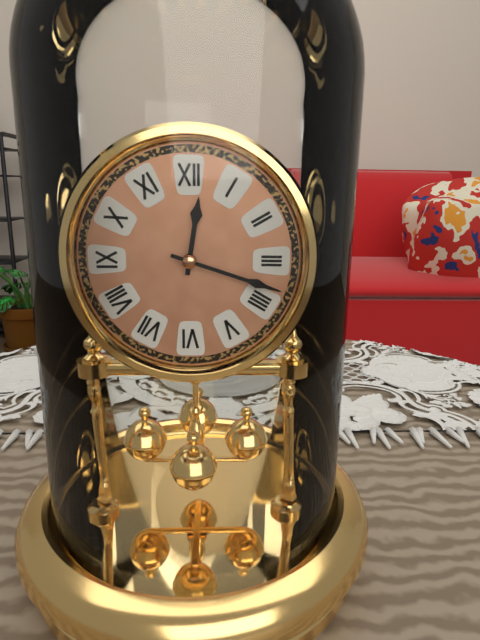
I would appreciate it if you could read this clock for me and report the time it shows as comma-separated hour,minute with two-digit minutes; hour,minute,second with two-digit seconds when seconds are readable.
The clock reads 12,18
